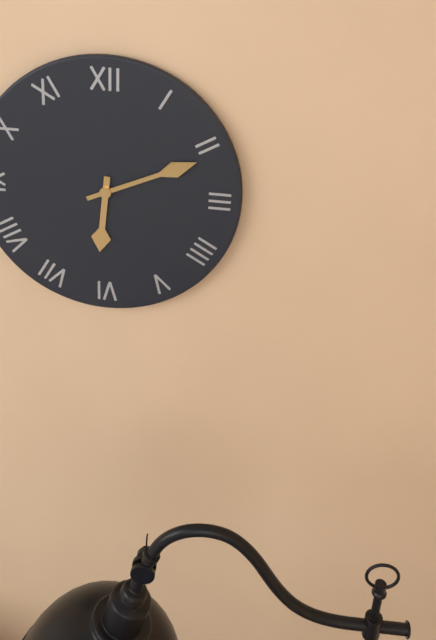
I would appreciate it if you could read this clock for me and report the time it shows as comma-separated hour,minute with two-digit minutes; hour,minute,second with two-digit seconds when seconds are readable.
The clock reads 6,11
